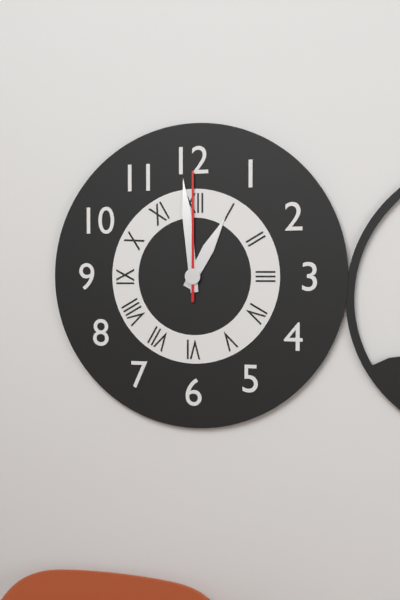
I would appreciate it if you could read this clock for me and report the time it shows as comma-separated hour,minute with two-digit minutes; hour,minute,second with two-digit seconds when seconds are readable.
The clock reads 12,59,00
